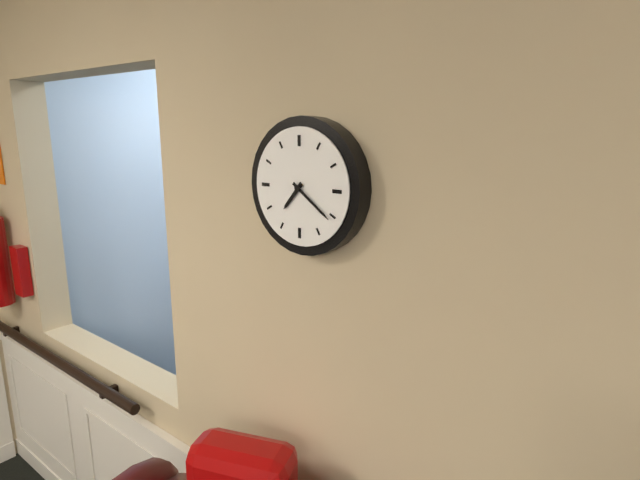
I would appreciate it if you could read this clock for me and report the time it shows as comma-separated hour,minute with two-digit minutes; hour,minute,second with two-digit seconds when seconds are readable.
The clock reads 7,21
